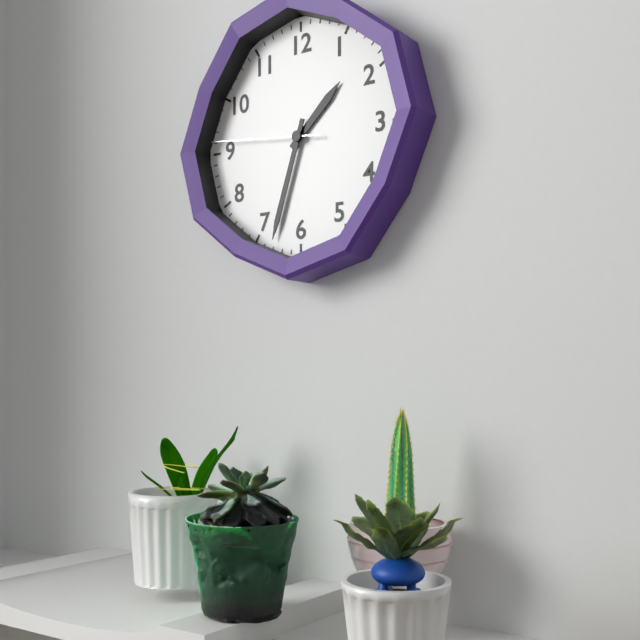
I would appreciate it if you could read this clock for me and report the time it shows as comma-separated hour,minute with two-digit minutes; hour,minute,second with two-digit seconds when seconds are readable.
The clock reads 1,33,46
